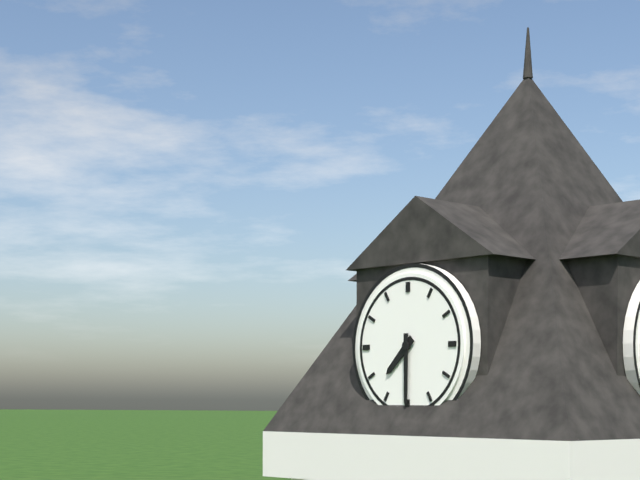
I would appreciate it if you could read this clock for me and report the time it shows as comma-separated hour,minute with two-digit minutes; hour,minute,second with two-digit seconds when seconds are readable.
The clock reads 7,30
